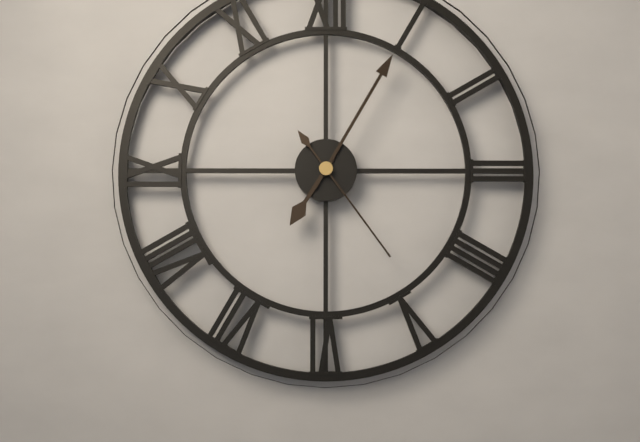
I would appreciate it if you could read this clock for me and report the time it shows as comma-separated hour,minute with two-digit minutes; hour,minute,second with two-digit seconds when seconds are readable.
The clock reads 7,05,24
